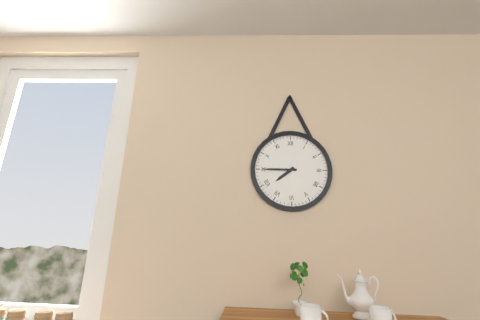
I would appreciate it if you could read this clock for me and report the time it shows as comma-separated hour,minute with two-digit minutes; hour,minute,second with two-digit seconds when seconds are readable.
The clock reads 7,45
